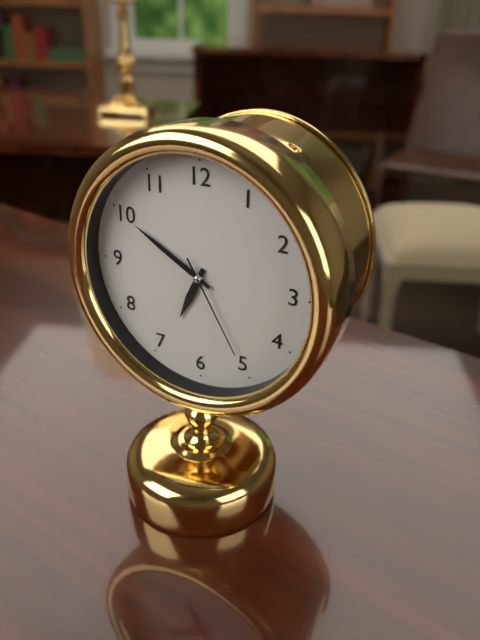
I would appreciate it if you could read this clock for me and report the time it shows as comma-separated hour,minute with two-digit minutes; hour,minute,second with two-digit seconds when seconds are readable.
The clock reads 6,50,25
